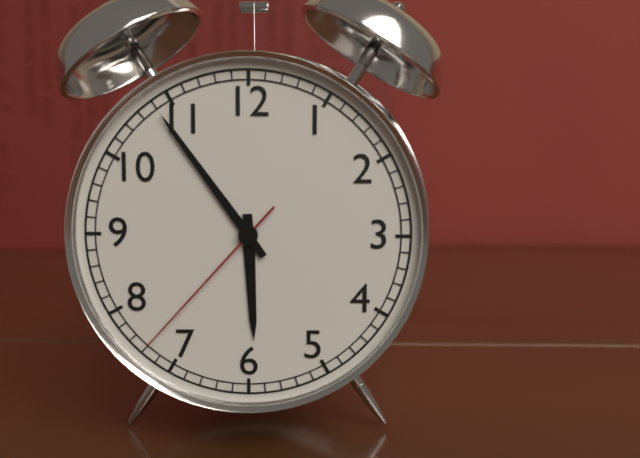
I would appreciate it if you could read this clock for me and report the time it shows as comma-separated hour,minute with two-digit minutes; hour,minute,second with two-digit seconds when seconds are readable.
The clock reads 5,54,37
